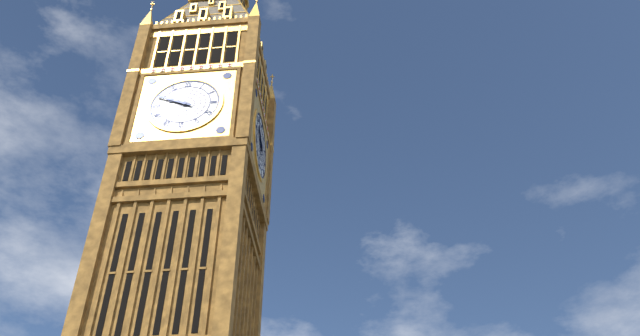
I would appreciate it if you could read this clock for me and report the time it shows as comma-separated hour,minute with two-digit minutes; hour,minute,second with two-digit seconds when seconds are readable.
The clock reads 9,49
